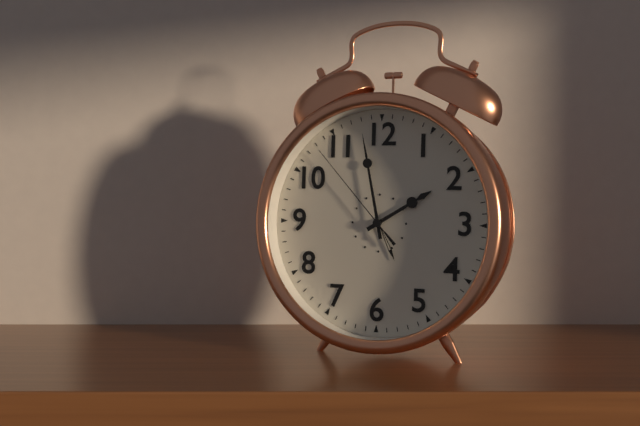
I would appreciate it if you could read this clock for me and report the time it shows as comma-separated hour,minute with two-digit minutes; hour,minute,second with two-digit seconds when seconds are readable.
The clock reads 1,58,53
